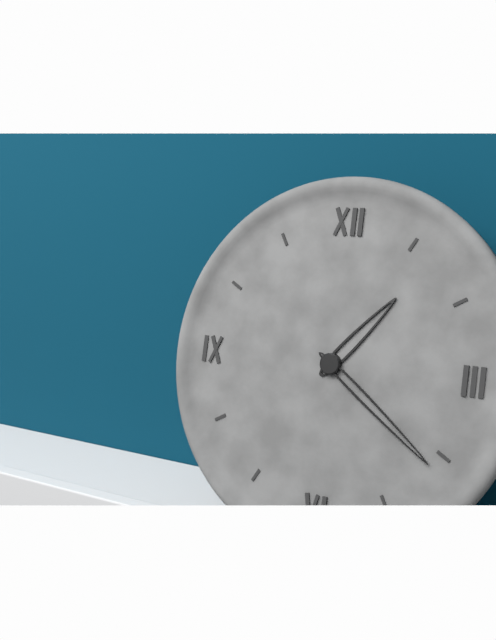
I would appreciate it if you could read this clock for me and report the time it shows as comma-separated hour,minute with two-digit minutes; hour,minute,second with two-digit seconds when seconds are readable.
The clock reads 1,21
